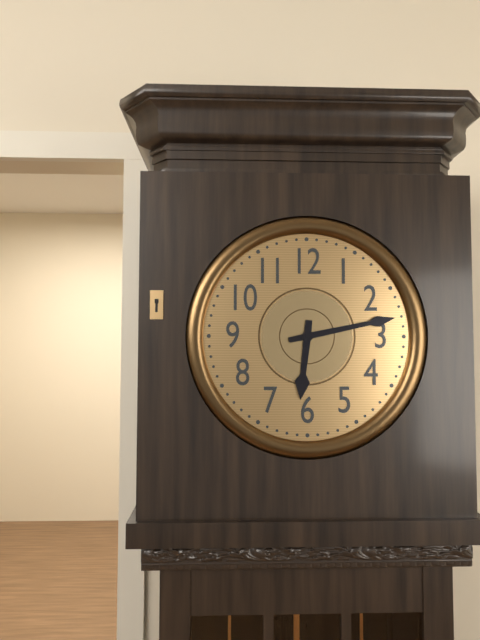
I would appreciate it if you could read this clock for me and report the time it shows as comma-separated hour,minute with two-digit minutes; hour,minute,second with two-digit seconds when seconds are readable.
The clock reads 6,13
